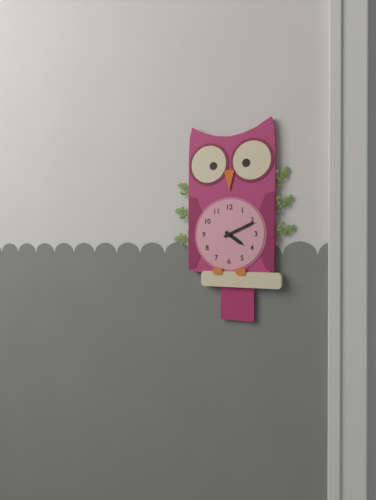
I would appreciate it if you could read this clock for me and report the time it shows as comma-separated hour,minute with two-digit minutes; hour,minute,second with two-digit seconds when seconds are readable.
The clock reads 4,11
